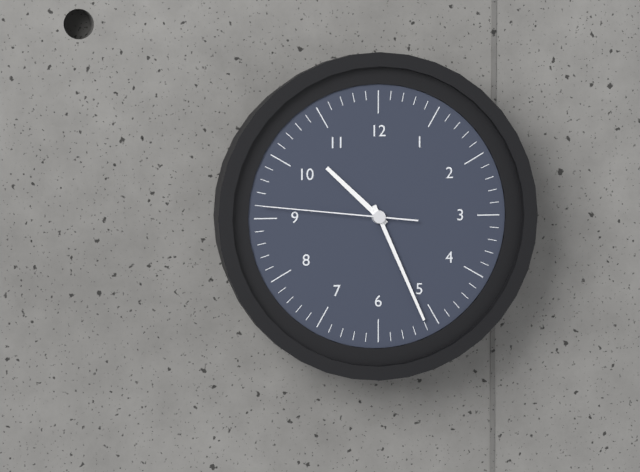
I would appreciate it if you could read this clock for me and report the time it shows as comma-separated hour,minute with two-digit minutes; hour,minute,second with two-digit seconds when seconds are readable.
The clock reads 10,26,46
